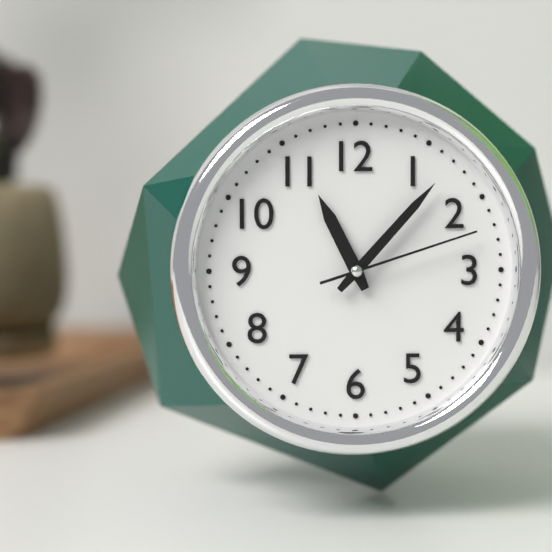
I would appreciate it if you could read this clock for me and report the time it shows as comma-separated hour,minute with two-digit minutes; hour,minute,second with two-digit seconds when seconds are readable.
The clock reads 11,07,12
